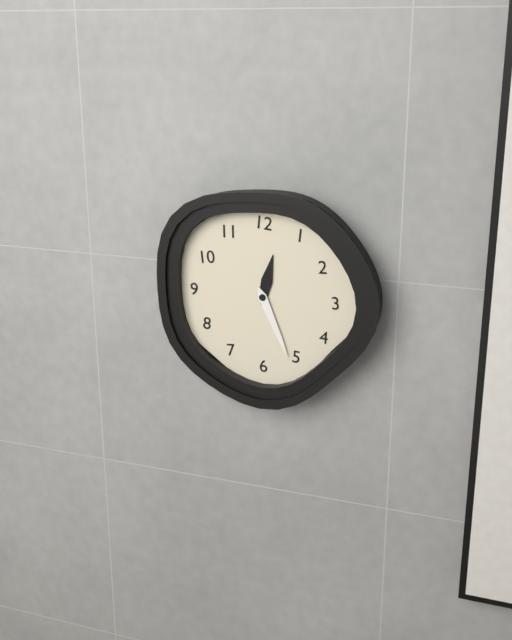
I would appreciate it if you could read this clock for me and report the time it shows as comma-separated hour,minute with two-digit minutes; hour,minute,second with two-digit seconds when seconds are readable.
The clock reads 12,26
